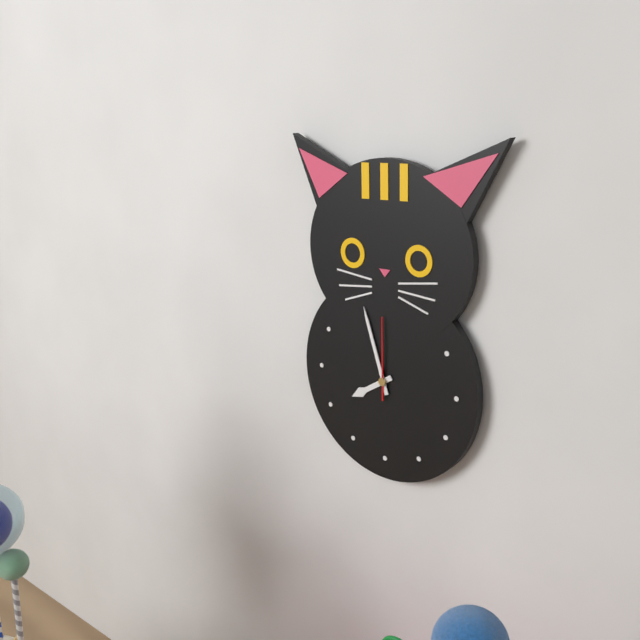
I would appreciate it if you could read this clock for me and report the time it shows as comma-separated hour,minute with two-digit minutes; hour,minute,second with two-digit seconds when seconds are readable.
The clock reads 7,57,00
